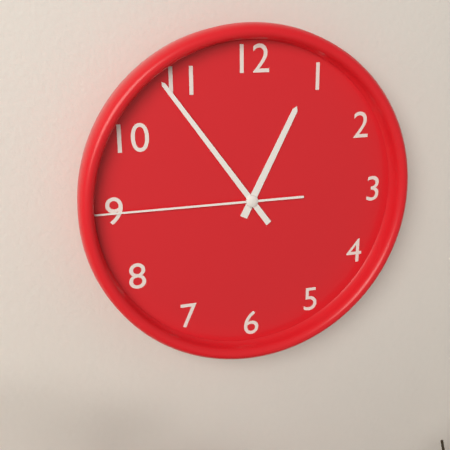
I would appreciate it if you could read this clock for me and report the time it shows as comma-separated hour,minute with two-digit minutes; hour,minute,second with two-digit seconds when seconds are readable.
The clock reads 12,54,45
